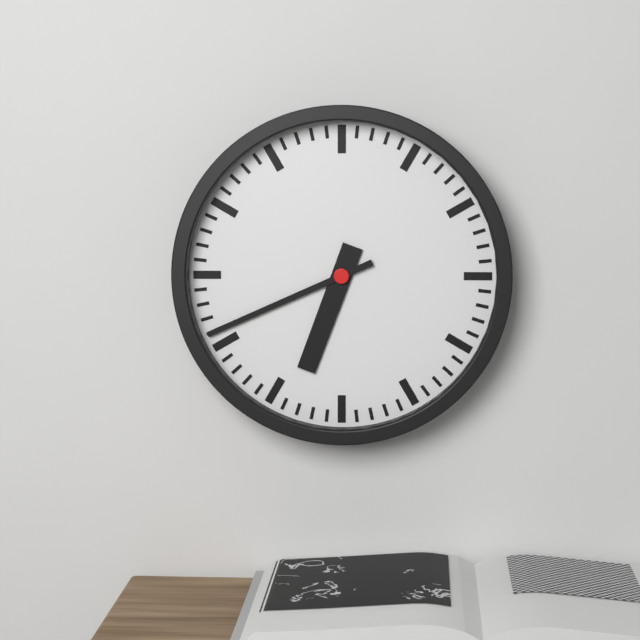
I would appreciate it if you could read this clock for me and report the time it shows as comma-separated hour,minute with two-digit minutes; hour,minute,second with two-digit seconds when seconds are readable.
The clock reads 6,41
